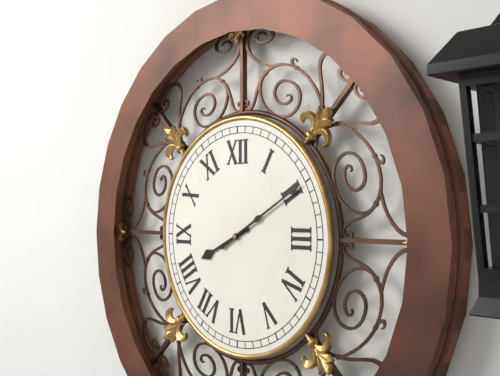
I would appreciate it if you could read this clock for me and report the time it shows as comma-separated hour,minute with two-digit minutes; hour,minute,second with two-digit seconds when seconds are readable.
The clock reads 8,10
